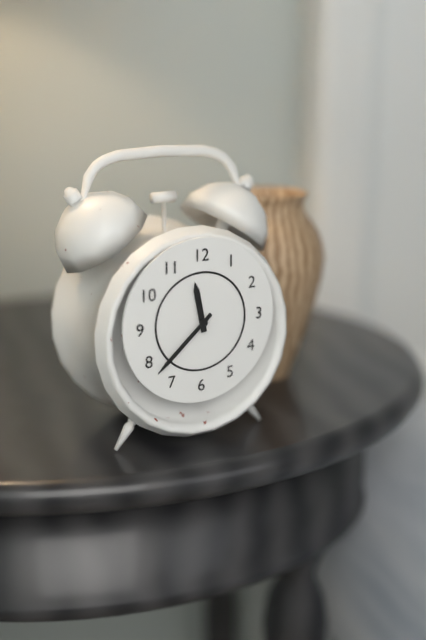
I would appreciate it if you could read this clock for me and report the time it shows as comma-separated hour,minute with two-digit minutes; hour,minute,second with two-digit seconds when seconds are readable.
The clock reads 11,38
